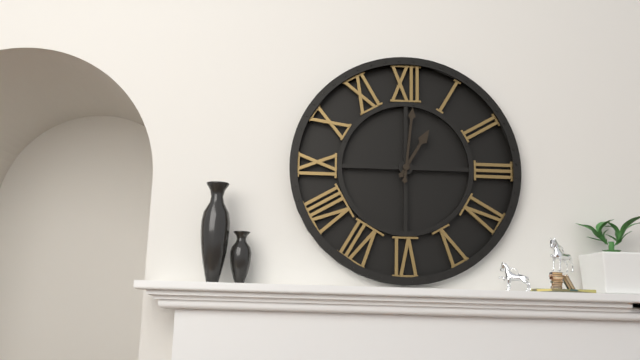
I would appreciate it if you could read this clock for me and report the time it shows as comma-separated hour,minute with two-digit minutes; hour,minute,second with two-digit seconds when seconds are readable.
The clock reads 1,01
